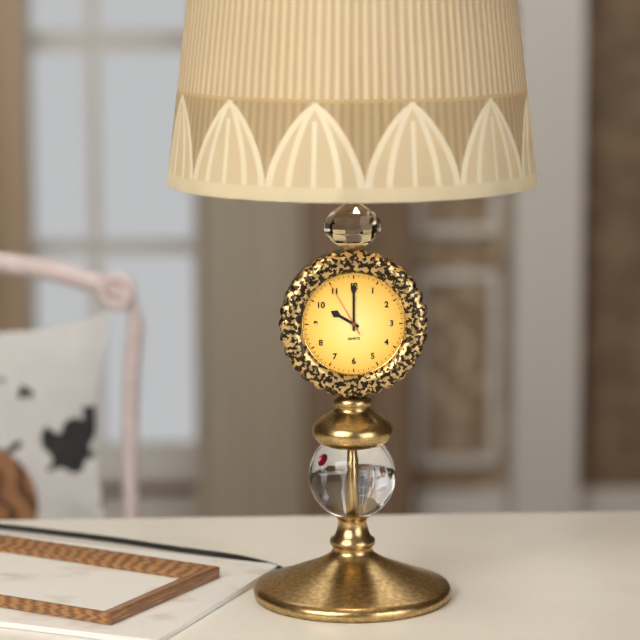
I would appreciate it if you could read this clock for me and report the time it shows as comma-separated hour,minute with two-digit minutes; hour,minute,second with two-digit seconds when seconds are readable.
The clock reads 10,00,55
